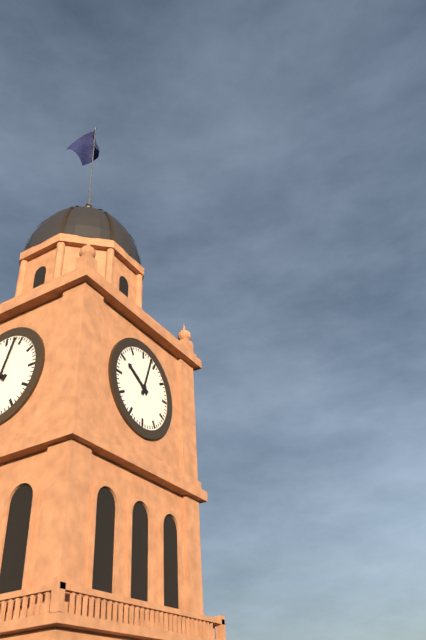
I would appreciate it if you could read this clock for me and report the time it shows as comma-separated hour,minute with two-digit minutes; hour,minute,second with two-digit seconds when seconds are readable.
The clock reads 10,03
